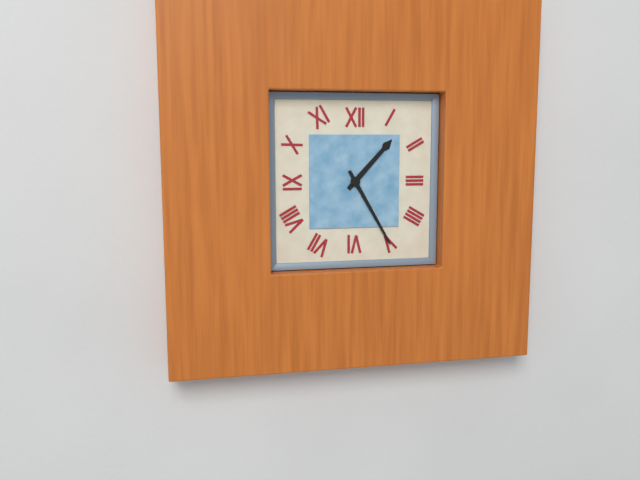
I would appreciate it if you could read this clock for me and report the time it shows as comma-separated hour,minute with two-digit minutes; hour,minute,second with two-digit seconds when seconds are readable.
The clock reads 1,25
